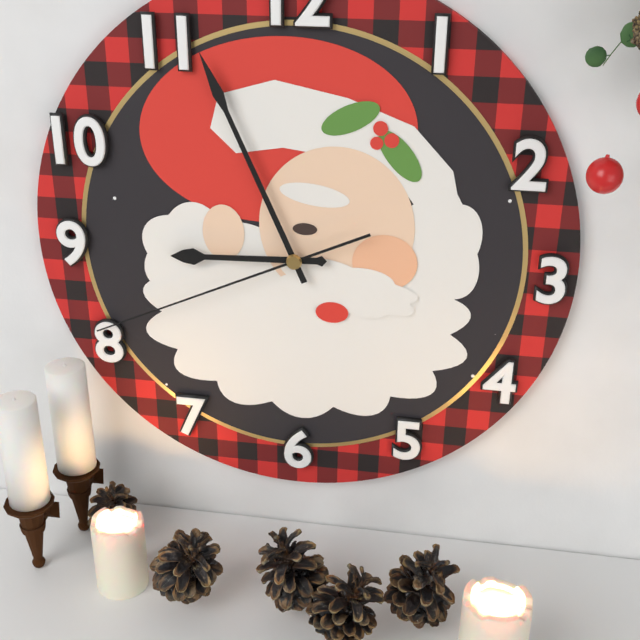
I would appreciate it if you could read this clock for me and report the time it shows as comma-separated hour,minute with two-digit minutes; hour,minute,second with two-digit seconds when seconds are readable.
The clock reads 8,56,41
